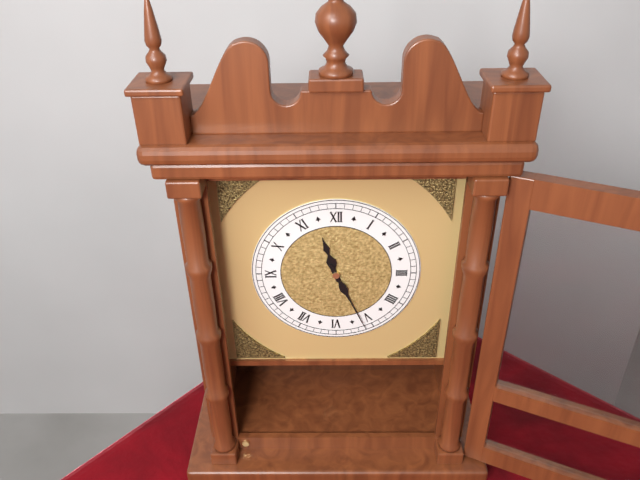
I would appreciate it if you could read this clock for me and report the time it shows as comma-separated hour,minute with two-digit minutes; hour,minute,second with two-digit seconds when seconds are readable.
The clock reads 11,26
